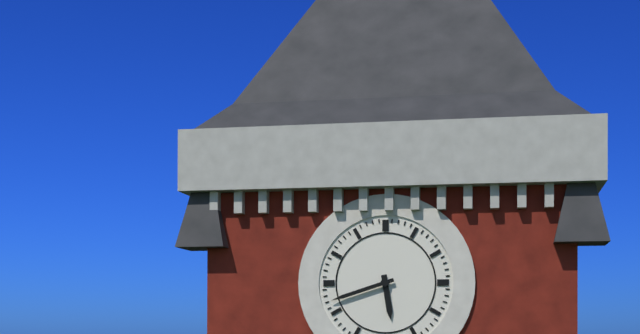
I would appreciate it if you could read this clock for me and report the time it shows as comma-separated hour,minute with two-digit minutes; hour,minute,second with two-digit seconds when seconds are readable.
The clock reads 5,42
